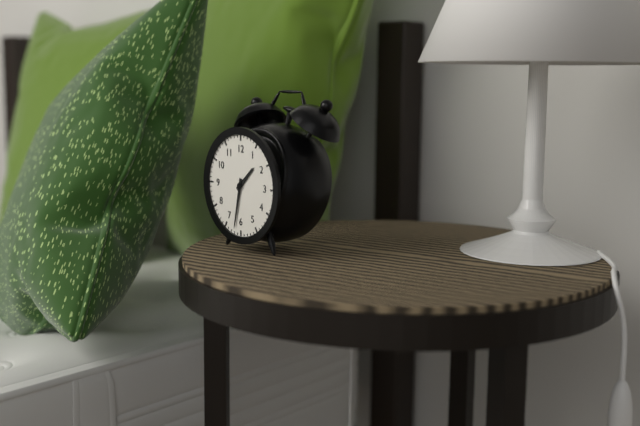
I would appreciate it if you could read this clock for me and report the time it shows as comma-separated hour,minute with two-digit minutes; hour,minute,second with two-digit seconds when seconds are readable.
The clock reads 1,32
